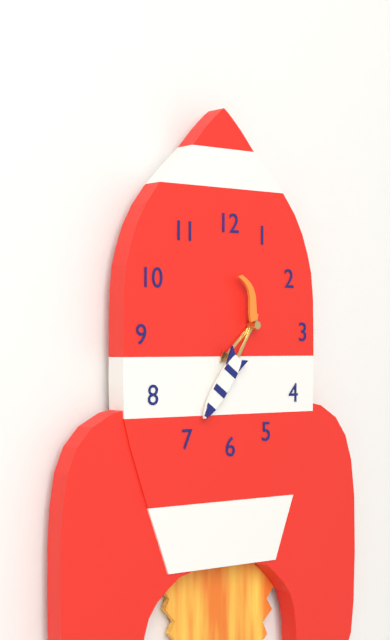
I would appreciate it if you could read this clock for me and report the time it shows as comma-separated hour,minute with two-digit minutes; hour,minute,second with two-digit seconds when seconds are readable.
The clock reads 7,35,36
